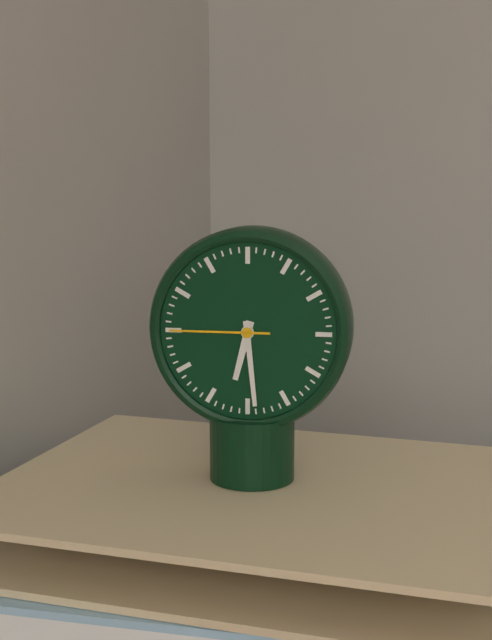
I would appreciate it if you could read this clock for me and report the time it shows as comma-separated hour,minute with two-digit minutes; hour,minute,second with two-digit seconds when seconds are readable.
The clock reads 6,29,45
